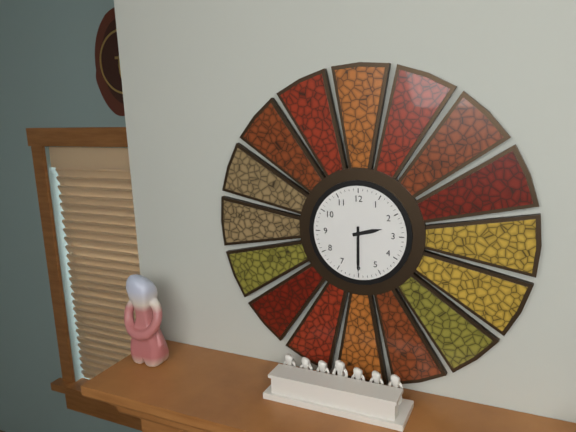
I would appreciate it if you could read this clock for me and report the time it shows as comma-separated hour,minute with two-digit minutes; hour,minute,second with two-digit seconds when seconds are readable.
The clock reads 2,30
